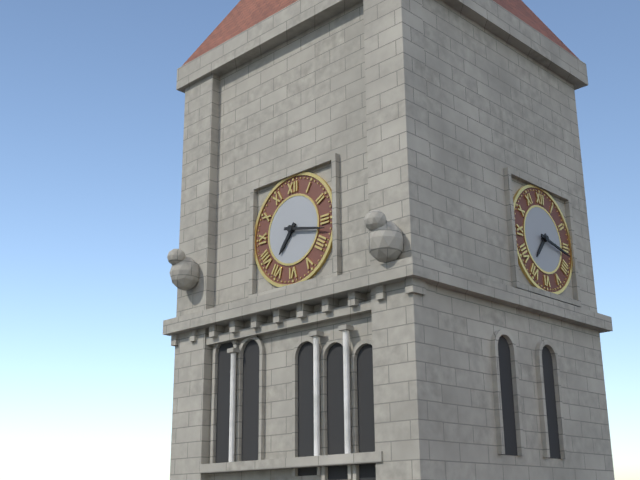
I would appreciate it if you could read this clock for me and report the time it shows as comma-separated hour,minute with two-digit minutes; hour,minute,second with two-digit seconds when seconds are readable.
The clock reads 7,17
